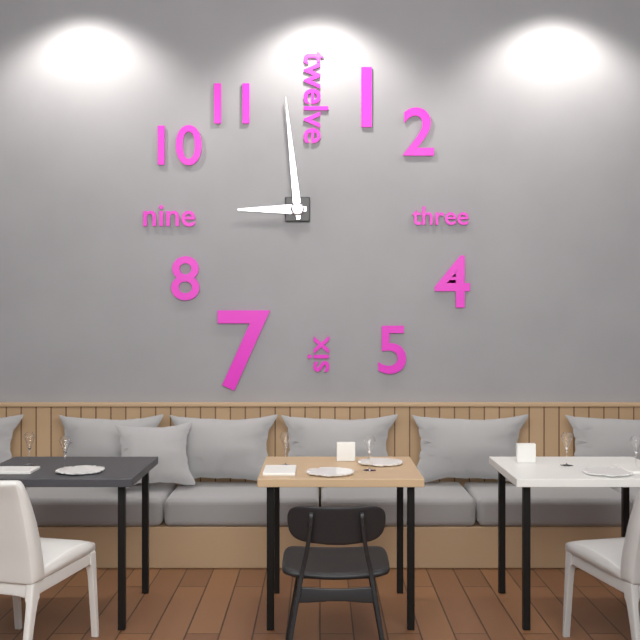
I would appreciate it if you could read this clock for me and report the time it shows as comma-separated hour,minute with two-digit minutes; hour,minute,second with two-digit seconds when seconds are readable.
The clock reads 8,59
